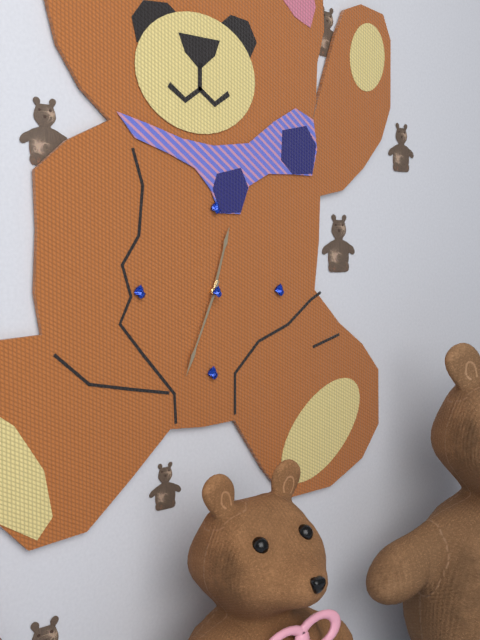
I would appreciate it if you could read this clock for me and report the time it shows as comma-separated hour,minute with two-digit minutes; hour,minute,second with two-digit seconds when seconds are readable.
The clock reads 12,34
